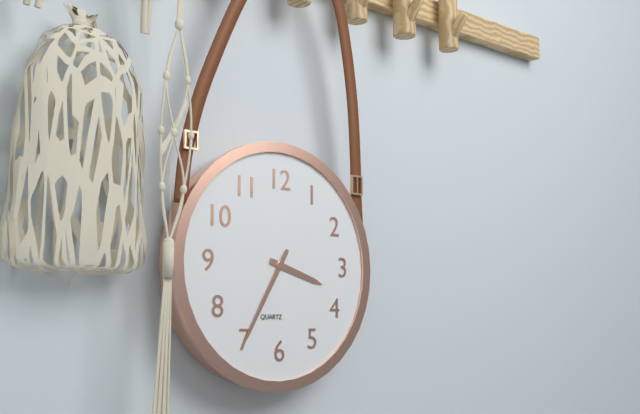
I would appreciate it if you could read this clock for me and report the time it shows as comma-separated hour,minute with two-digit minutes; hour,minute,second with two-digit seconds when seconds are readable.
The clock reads 3,35
